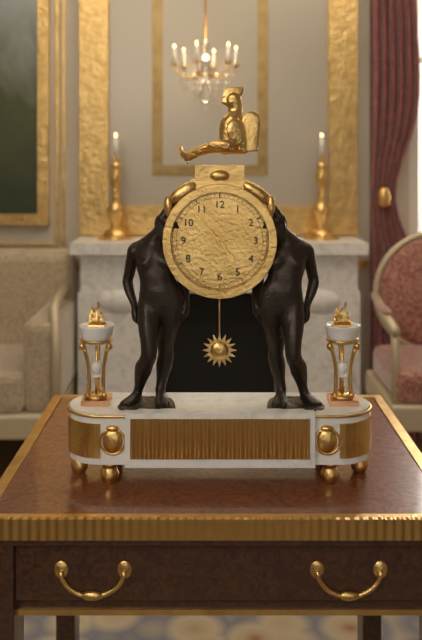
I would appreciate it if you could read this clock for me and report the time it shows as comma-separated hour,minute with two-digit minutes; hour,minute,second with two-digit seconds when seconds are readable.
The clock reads 4,53
